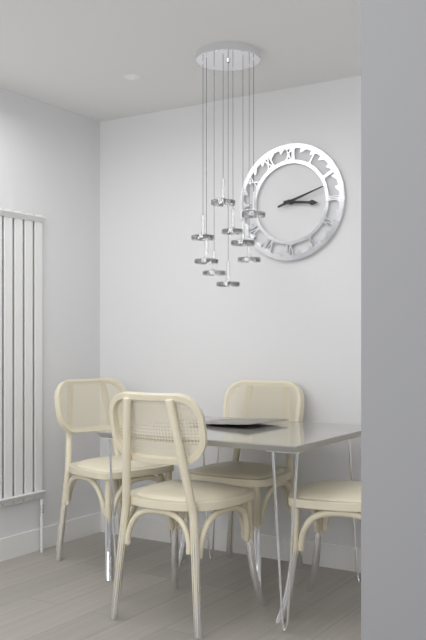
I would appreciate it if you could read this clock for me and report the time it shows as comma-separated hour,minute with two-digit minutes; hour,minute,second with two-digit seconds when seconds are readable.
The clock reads 3,12
